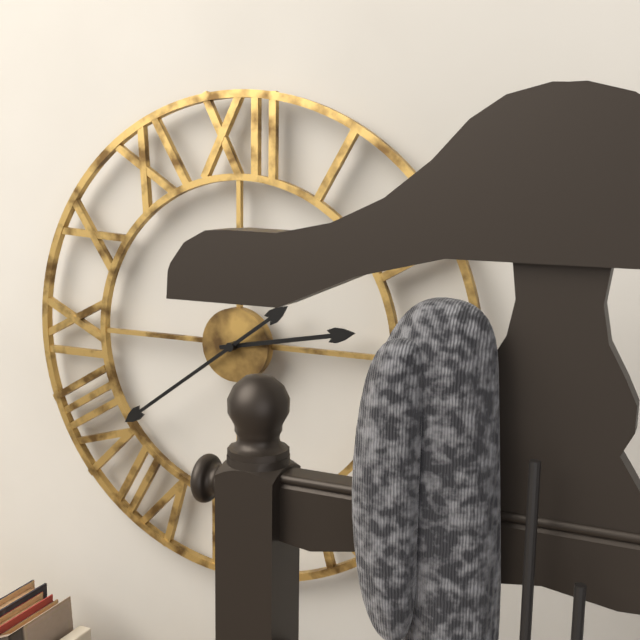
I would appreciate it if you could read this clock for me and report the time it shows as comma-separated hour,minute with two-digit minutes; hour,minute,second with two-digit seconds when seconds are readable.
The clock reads 2,39
